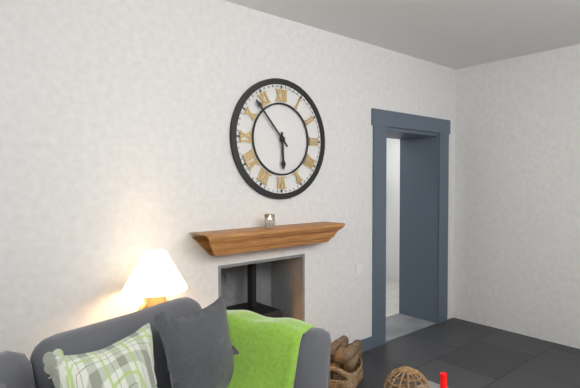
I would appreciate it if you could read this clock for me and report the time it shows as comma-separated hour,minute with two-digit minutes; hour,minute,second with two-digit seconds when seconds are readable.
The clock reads 5,53
